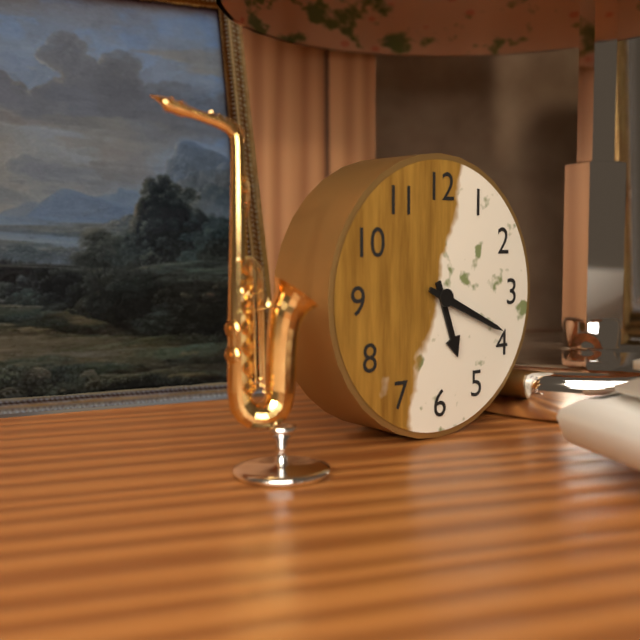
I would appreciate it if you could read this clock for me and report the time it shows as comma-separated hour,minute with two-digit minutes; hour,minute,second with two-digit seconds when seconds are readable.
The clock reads 5,19
